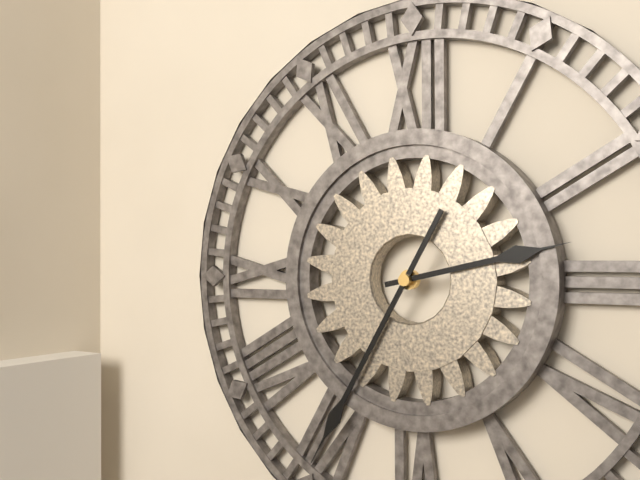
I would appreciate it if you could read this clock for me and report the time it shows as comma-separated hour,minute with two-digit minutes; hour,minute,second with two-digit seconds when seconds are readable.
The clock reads 2,35
